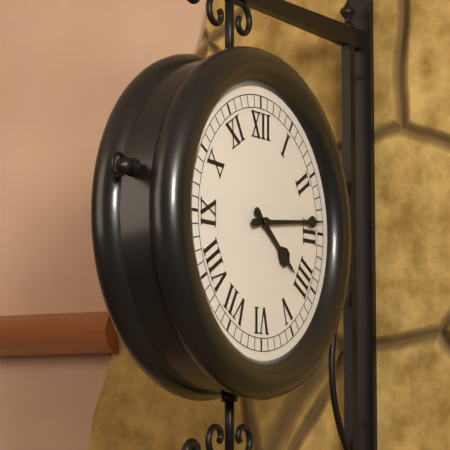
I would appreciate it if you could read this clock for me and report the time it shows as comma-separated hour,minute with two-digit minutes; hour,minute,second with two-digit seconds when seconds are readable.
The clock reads 4,14
